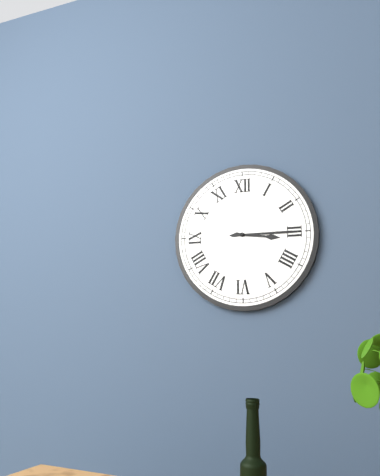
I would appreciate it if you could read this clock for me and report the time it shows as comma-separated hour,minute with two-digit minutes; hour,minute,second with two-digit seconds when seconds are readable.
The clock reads 3,15
